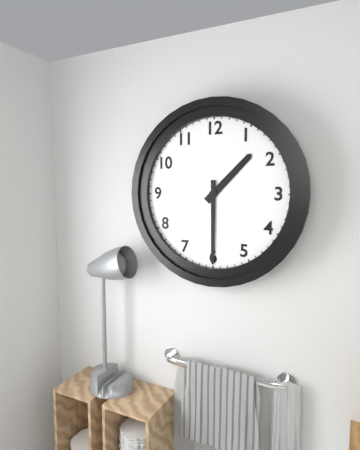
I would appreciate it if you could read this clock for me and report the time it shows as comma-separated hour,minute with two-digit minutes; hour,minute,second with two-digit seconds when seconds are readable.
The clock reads 1,30
